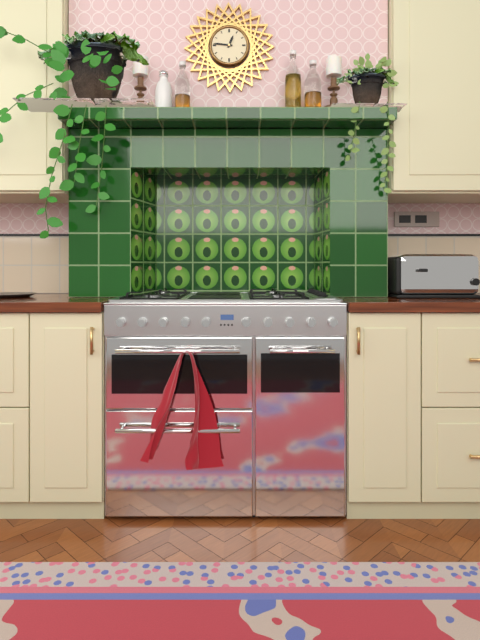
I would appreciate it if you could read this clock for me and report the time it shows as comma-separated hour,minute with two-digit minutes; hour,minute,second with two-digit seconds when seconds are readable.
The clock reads 12,46
